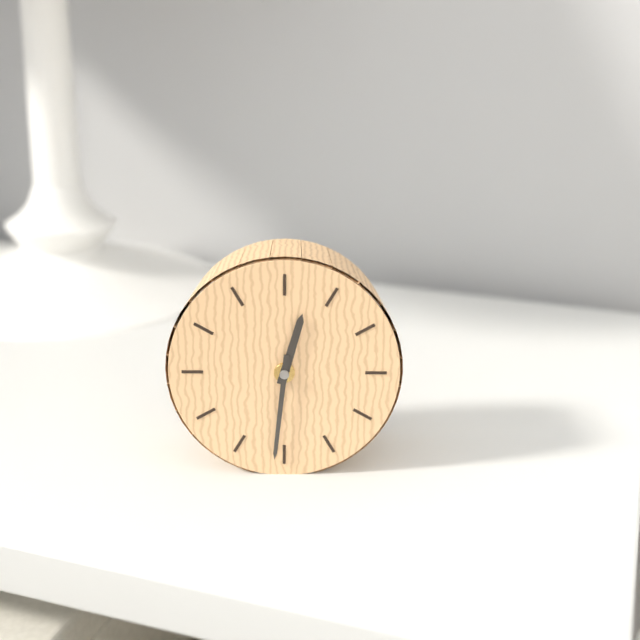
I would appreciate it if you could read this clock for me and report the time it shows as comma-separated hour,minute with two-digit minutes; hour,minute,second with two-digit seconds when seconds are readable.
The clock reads 12,31
